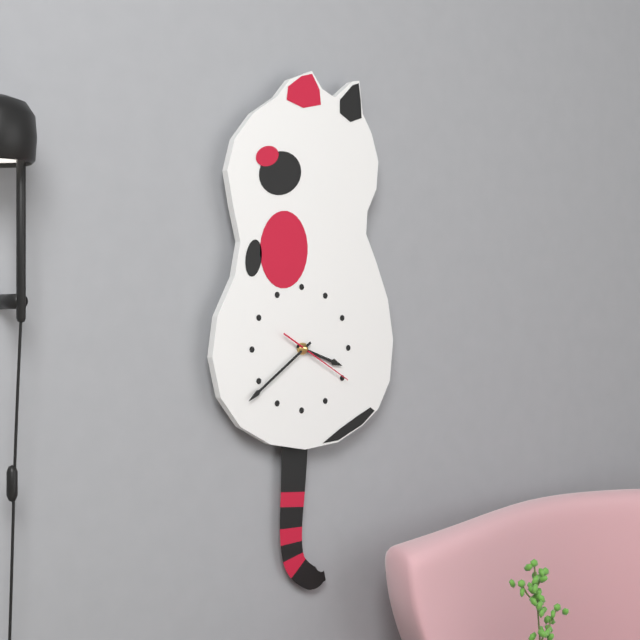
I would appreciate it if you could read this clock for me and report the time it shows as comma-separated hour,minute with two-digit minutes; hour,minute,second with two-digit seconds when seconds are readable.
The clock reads 3,39,20
